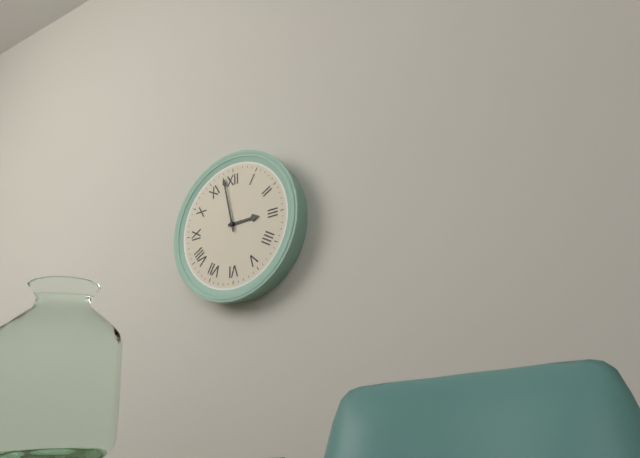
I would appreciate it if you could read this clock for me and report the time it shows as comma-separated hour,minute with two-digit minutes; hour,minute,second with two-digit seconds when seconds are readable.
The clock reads 2,58
